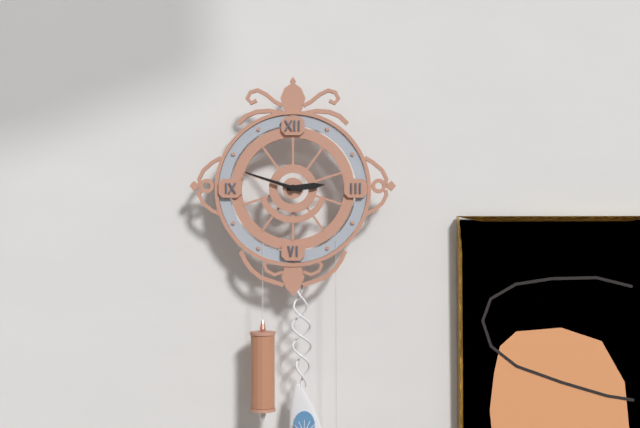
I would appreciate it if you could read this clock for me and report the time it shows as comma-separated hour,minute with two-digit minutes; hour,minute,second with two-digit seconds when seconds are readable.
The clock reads 2,48
